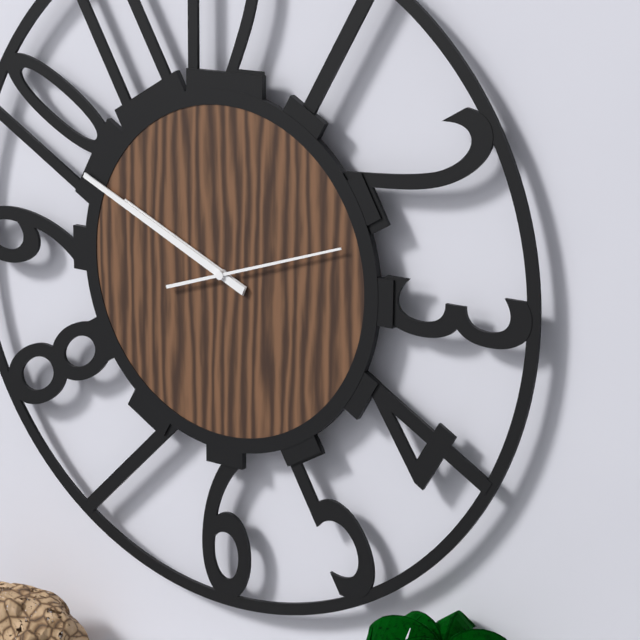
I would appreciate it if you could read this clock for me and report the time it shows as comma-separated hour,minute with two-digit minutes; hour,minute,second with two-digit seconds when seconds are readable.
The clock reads 9,49,12
